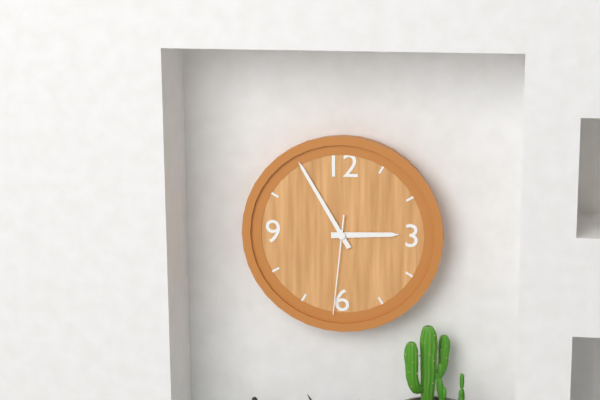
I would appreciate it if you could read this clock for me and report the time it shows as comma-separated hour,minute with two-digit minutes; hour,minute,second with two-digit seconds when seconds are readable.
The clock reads 2,55,31
